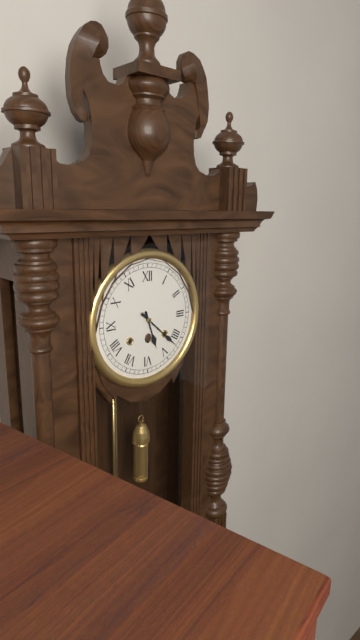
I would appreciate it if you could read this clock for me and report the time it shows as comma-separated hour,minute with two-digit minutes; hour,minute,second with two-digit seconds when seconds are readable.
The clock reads 5,22
